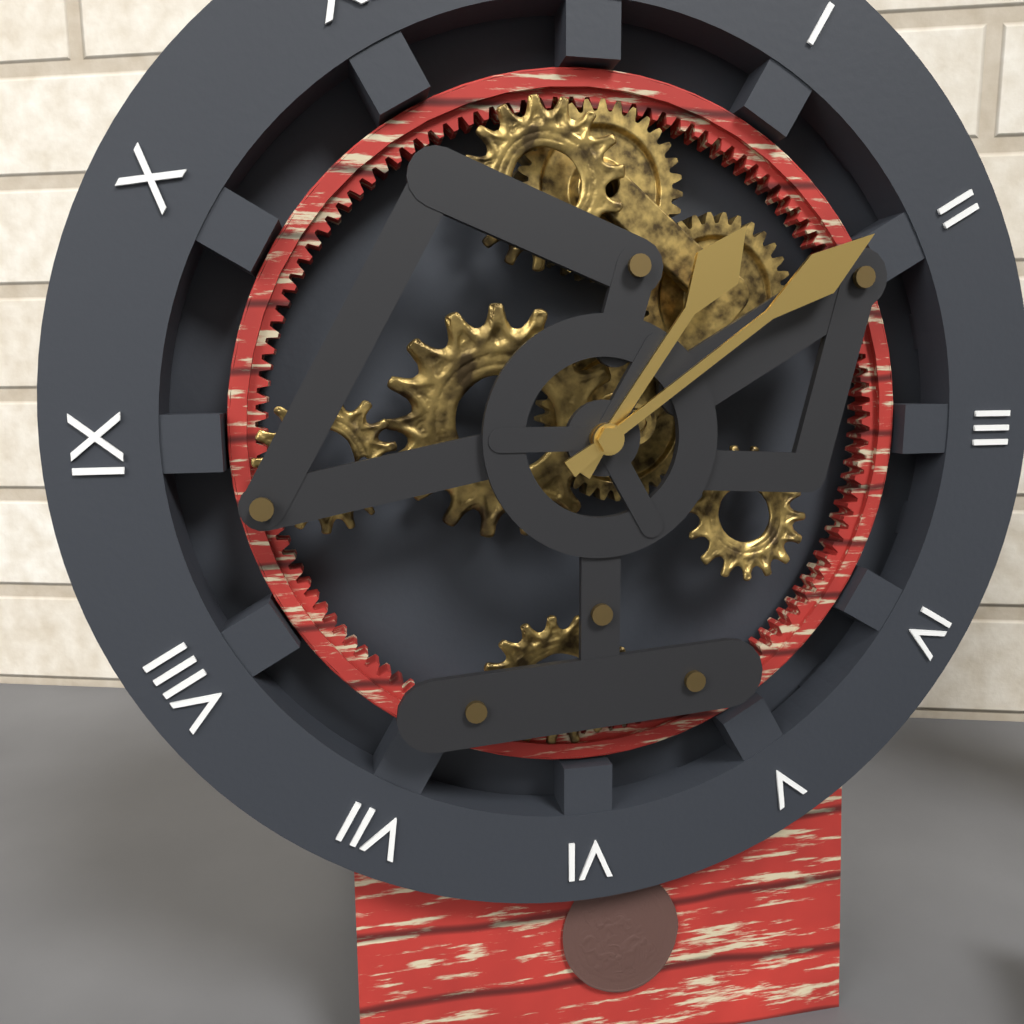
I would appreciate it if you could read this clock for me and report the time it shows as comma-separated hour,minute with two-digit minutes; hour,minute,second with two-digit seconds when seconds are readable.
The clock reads 1,09
